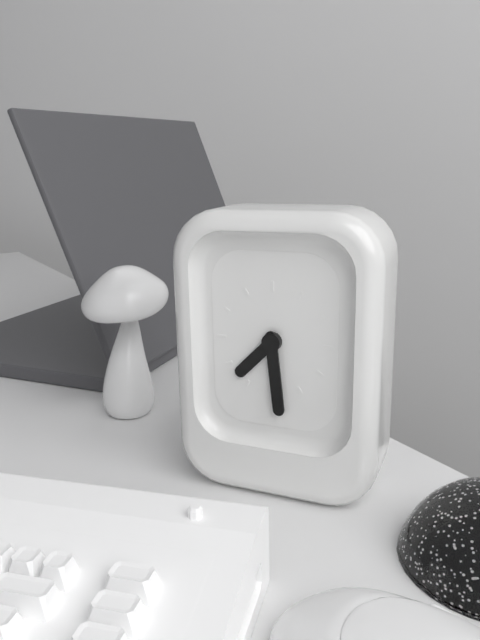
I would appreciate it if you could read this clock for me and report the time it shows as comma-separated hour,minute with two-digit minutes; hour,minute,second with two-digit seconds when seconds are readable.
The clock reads 7,29
